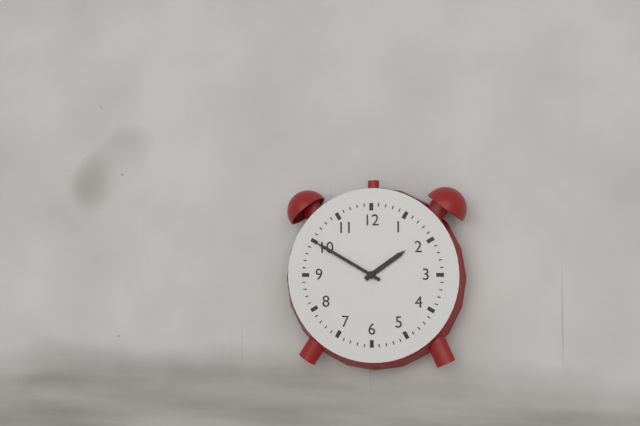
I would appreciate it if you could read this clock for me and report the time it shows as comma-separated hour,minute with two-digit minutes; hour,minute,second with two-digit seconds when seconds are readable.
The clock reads 1,50
